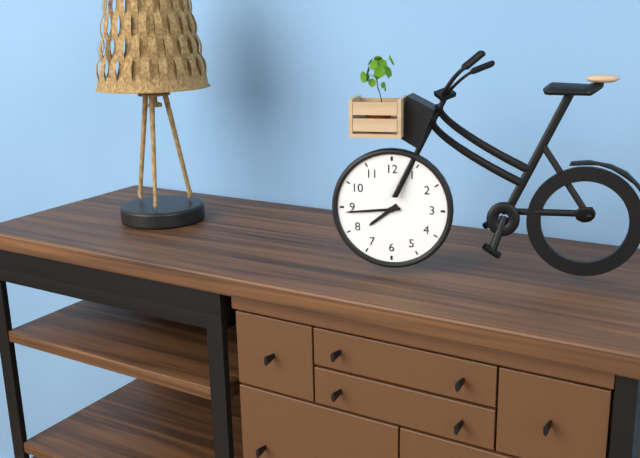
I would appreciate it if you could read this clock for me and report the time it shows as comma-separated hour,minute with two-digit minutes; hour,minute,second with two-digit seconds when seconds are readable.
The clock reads 7,44
